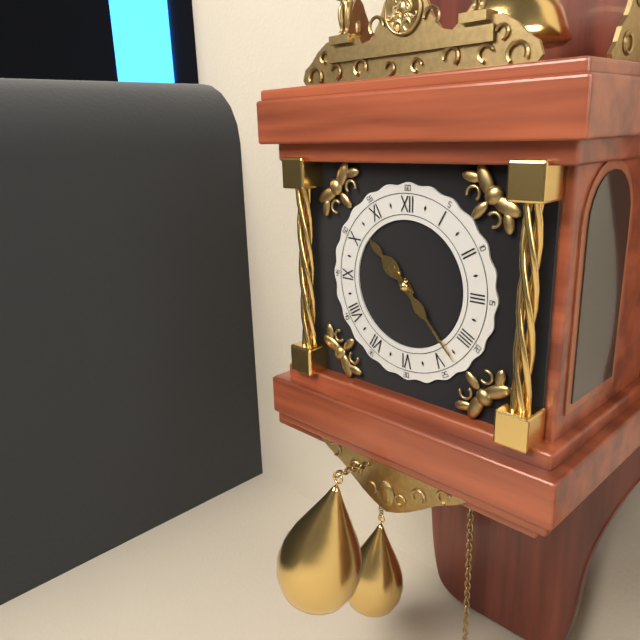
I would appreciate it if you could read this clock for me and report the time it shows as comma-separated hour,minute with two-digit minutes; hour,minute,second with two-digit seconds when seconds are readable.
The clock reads 10,23
